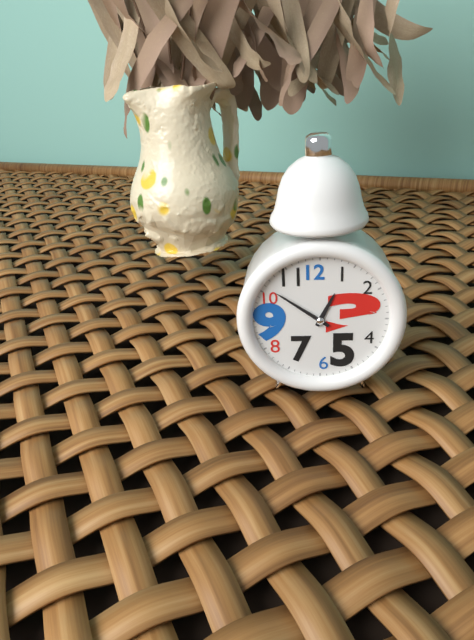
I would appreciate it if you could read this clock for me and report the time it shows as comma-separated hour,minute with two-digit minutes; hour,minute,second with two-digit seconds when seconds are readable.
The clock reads 12,51
